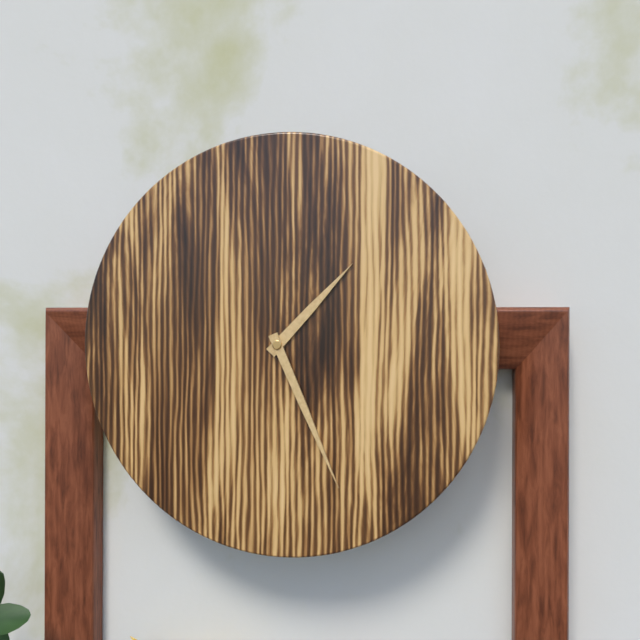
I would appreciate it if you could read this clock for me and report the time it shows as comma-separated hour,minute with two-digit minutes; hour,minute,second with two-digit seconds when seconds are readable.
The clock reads 1,26
